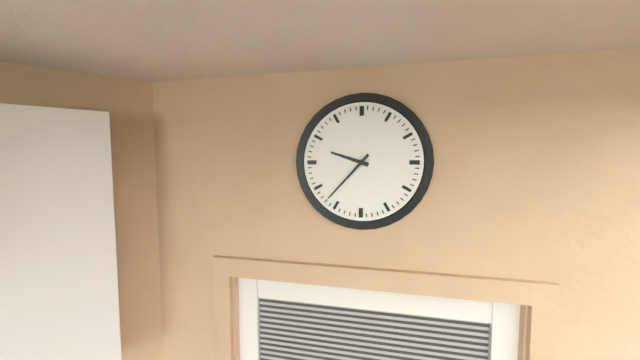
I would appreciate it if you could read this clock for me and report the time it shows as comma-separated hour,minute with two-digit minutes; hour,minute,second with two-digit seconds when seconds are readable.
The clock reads 9,37
